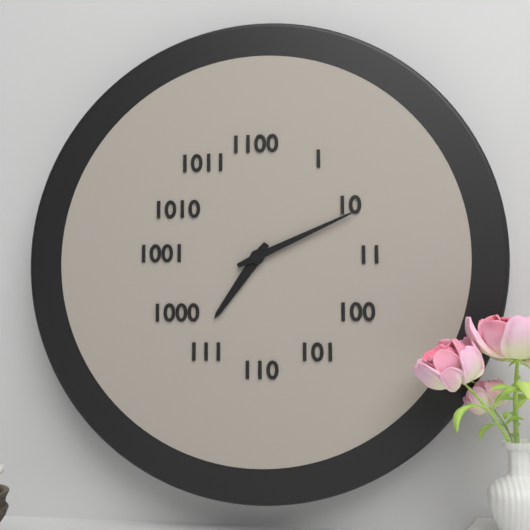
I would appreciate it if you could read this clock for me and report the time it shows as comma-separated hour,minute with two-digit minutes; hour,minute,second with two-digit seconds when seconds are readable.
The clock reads 7,11
